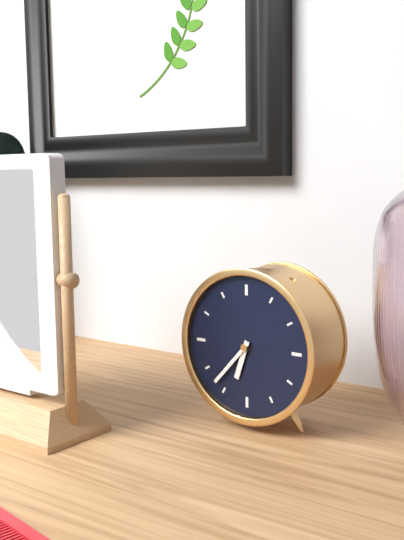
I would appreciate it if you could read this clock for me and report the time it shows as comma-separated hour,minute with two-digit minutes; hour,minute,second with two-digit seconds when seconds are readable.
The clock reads 6,37
